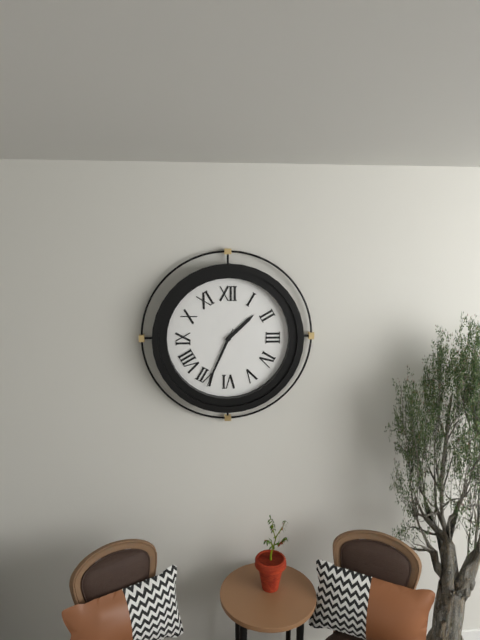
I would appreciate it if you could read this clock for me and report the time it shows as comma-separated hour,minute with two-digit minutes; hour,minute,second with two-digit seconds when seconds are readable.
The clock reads 1,34,34
